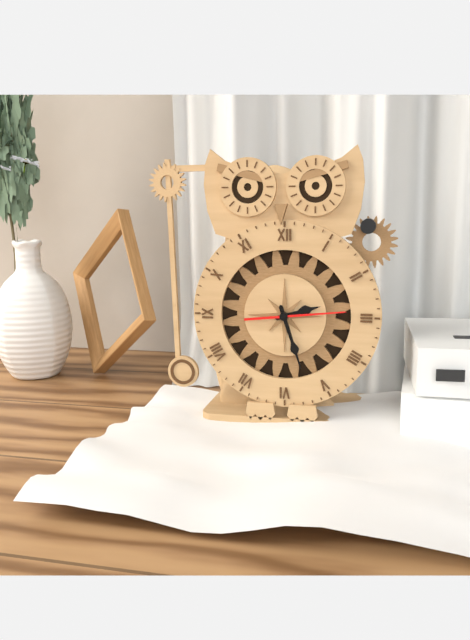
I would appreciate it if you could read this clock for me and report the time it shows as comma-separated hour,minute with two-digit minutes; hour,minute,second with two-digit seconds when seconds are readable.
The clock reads 2,27,14
